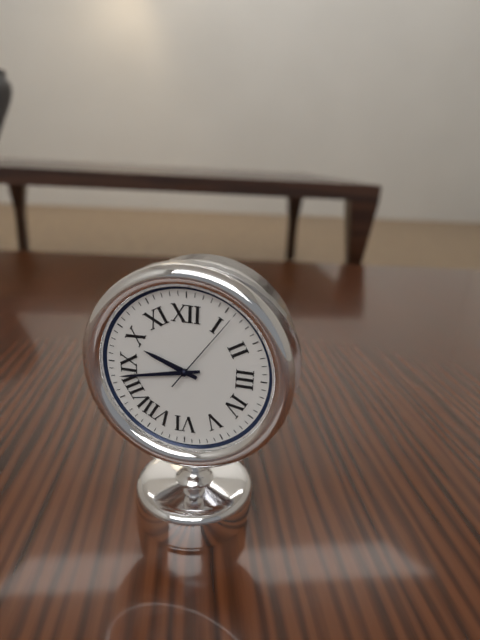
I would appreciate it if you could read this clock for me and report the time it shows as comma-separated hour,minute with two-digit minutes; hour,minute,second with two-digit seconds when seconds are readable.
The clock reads 9,43,06
